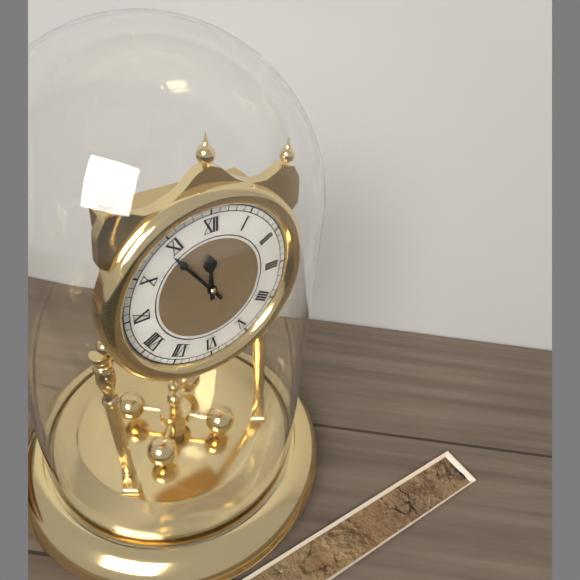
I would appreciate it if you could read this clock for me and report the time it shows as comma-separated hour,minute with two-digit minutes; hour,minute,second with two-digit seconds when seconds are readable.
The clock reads 11,54
